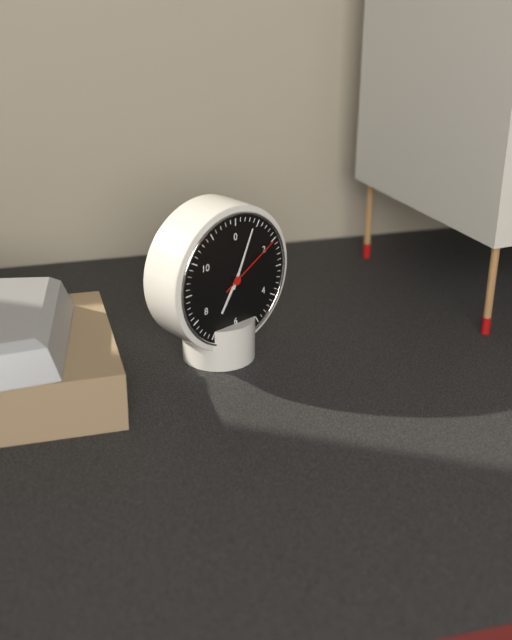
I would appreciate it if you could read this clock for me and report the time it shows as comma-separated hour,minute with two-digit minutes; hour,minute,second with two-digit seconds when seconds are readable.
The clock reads 7,04,10
